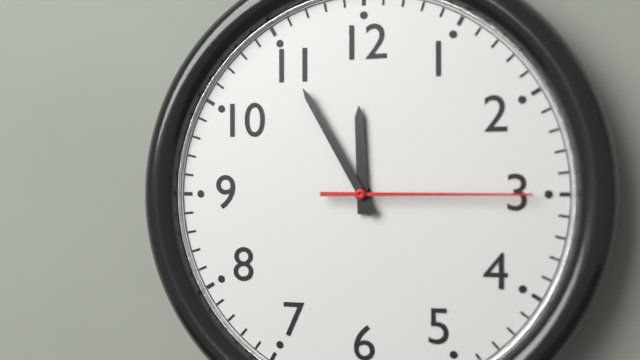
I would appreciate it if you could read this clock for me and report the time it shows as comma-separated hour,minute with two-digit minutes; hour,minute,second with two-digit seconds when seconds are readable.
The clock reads 11,55,15
